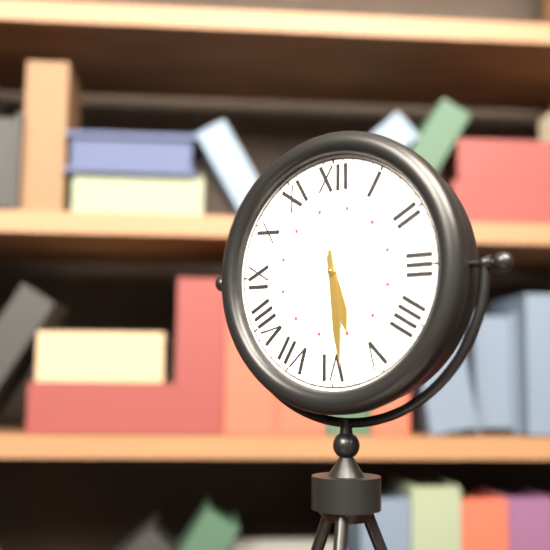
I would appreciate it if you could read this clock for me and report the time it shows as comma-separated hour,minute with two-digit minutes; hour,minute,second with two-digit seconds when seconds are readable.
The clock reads 5,29
